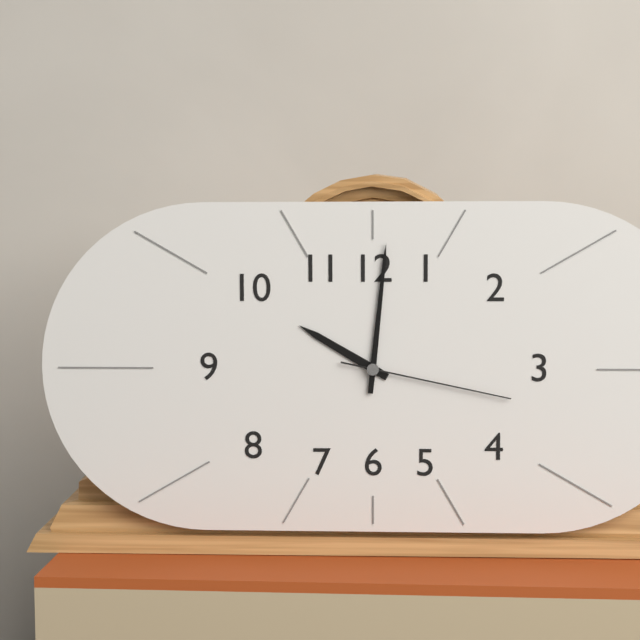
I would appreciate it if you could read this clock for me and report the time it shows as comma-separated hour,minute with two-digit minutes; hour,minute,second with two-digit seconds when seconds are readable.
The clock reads 10,01,17
